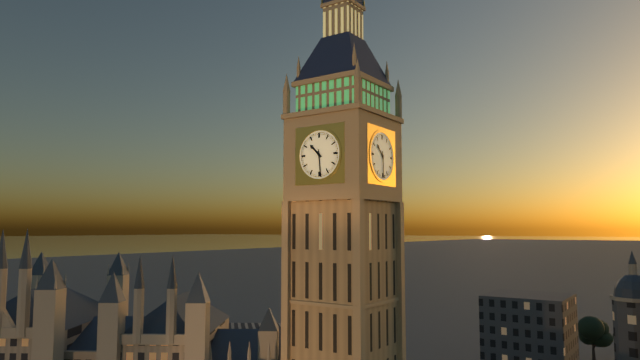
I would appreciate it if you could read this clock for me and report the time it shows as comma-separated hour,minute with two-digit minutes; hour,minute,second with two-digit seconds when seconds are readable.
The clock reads 10,29
